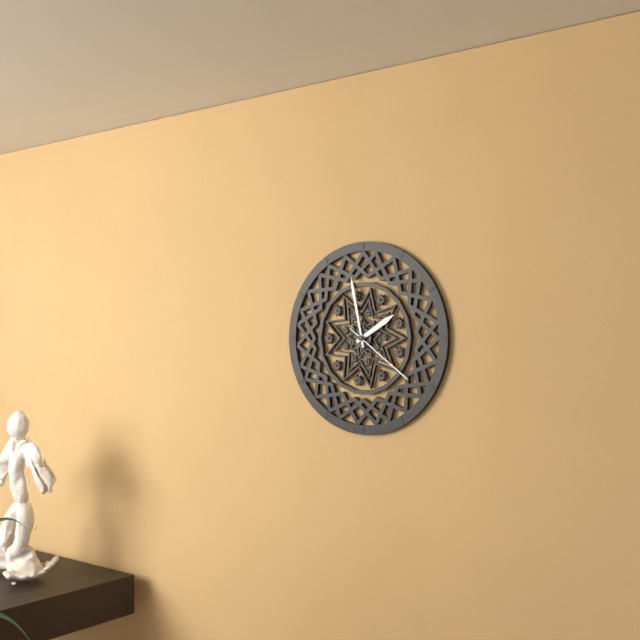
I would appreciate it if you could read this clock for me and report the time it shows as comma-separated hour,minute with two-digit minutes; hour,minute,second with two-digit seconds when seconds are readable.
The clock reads 1,58,21
